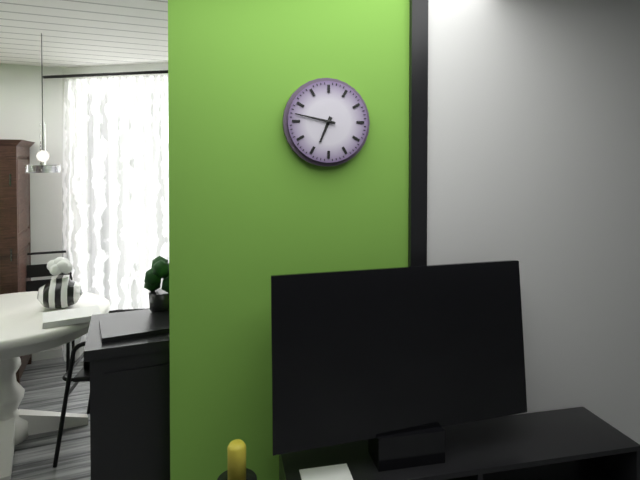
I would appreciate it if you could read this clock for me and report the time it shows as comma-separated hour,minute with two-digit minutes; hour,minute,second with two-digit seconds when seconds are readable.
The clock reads 6,47
